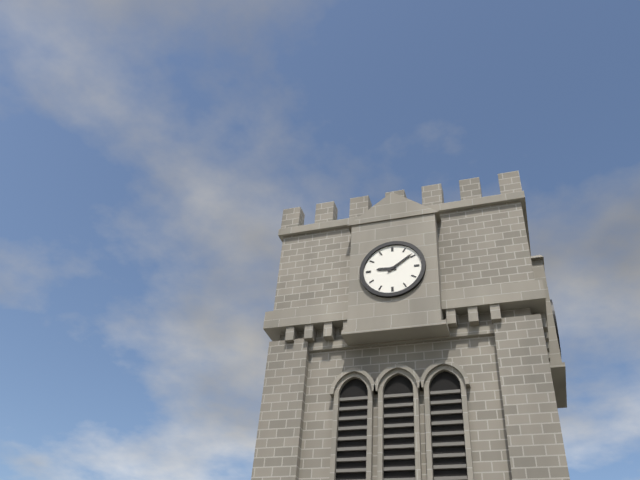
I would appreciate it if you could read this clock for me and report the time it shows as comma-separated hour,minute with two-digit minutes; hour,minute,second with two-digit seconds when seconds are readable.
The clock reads 9,09
